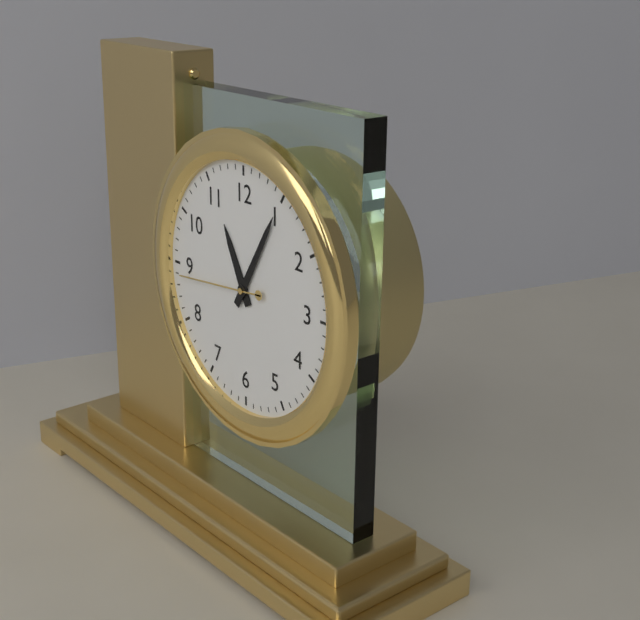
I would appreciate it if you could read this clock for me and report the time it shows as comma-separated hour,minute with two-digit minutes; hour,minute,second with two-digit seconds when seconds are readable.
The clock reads 11,05,44
